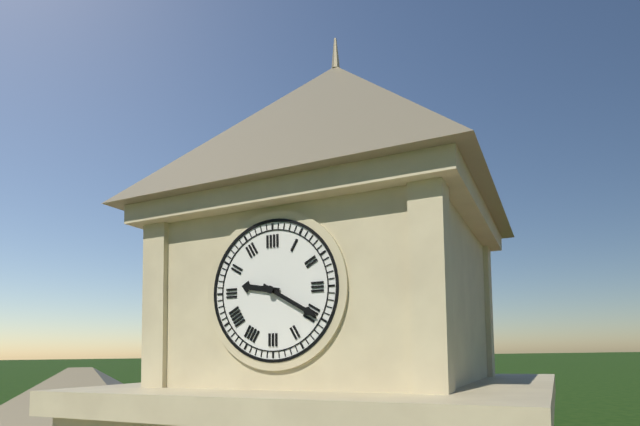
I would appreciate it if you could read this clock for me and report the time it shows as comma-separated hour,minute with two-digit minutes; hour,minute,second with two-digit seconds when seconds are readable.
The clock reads 9,20
